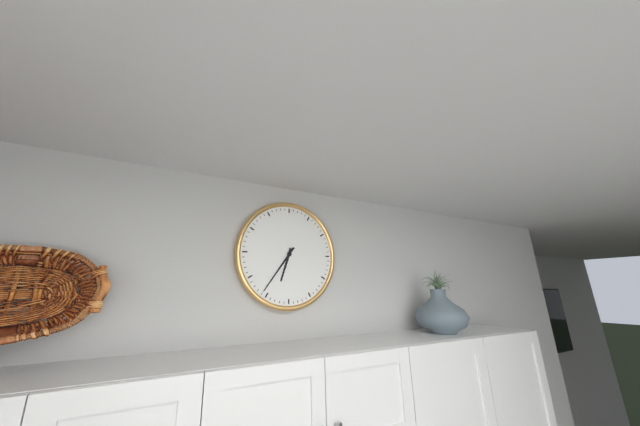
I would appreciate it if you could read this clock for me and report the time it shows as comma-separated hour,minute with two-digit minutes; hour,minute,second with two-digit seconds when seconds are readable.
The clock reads 6,36
